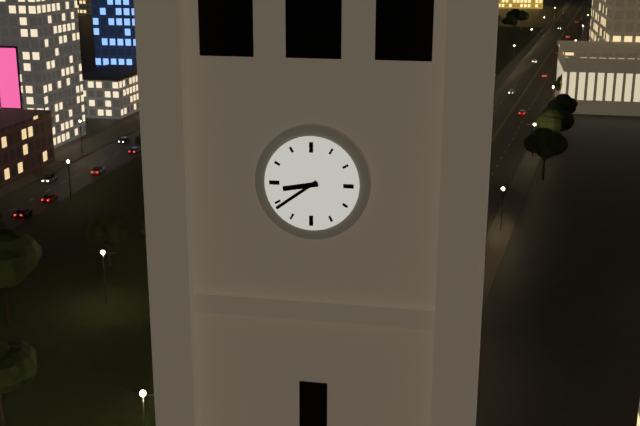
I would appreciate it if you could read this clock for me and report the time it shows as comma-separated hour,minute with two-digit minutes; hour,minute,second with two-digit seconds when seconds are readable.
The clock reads 8,39
